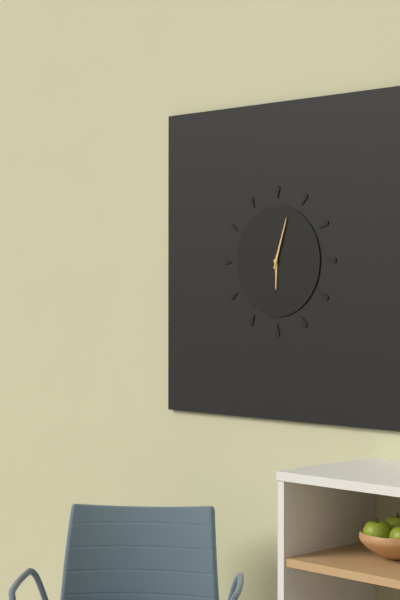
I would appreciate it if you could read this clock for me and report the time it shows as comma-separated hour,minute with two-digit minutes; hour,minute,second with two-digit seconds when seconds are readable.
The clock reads 6,03
